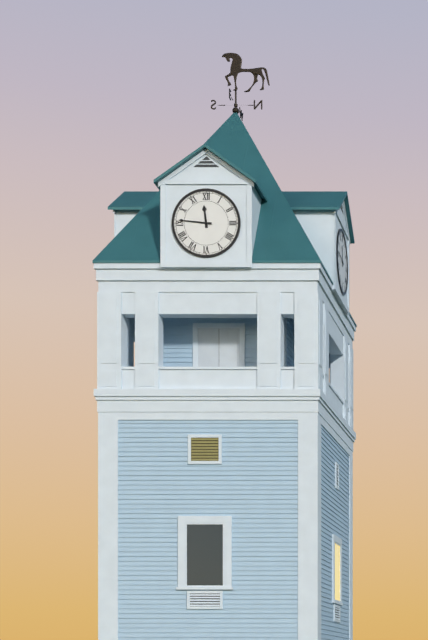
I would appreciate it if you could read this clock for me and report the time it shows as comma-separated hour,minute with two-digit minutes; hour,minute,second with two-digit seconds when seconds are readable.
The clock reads 11,46
